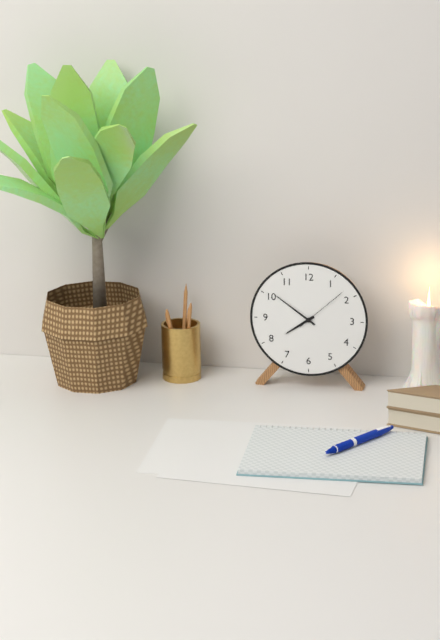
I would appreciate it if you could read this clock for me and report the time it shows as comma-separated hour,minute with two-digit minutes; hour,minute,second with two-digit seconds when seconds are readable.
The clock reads 7,51,08
